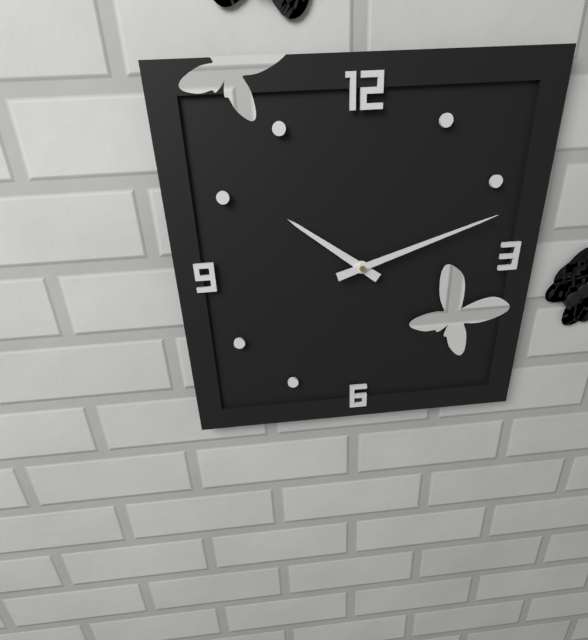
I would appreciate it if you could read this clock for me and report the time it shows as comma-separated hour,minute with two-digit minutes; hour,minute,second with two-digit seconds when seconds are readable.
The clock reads 10,12
